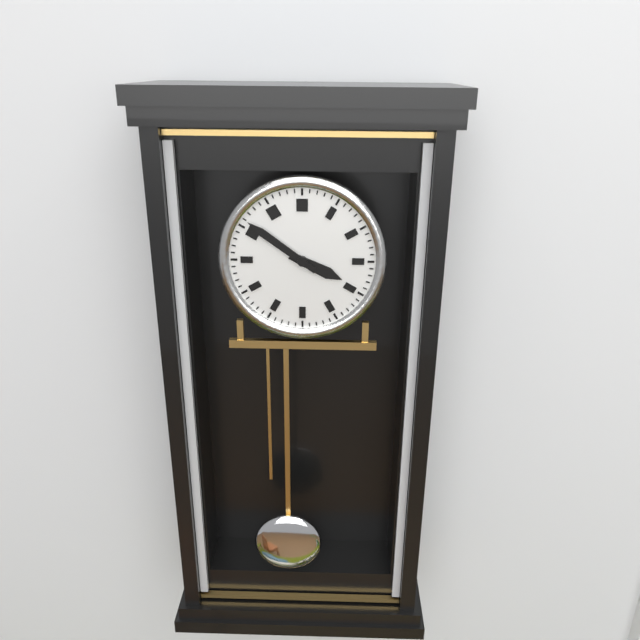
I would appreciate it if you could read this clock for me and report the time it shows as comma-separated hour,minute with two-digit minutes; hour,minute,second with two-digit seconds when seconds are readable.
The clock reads 3,51
